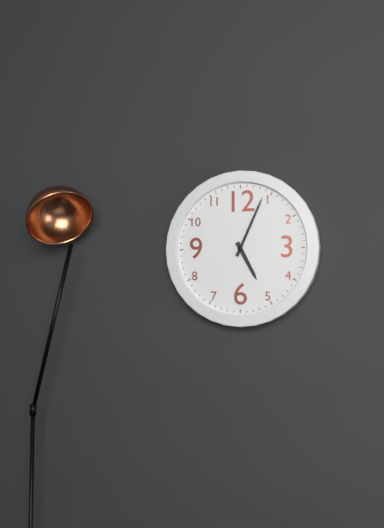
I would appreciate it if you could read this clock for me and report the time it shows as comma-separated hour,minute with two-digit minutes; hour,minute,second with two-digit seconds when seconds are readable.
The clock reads 5,04
